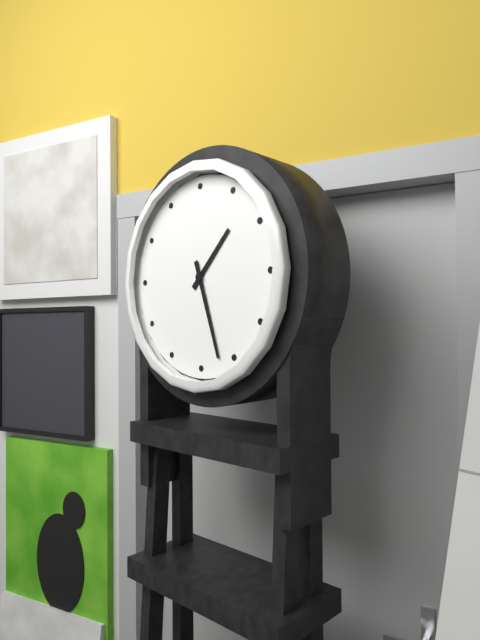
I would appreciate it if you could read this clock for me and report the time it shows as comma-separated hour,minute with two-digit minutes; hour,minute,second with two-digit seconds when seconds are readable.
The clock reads 1,27
